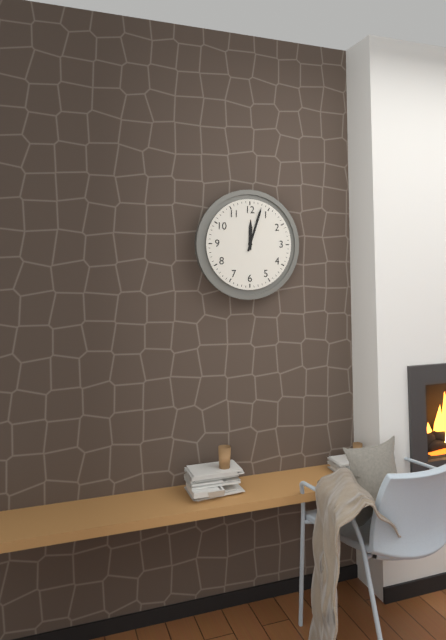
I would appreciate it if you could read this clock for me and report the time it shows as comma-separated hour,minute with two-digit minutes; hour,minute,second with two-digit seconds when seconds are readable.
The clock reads 12,03
